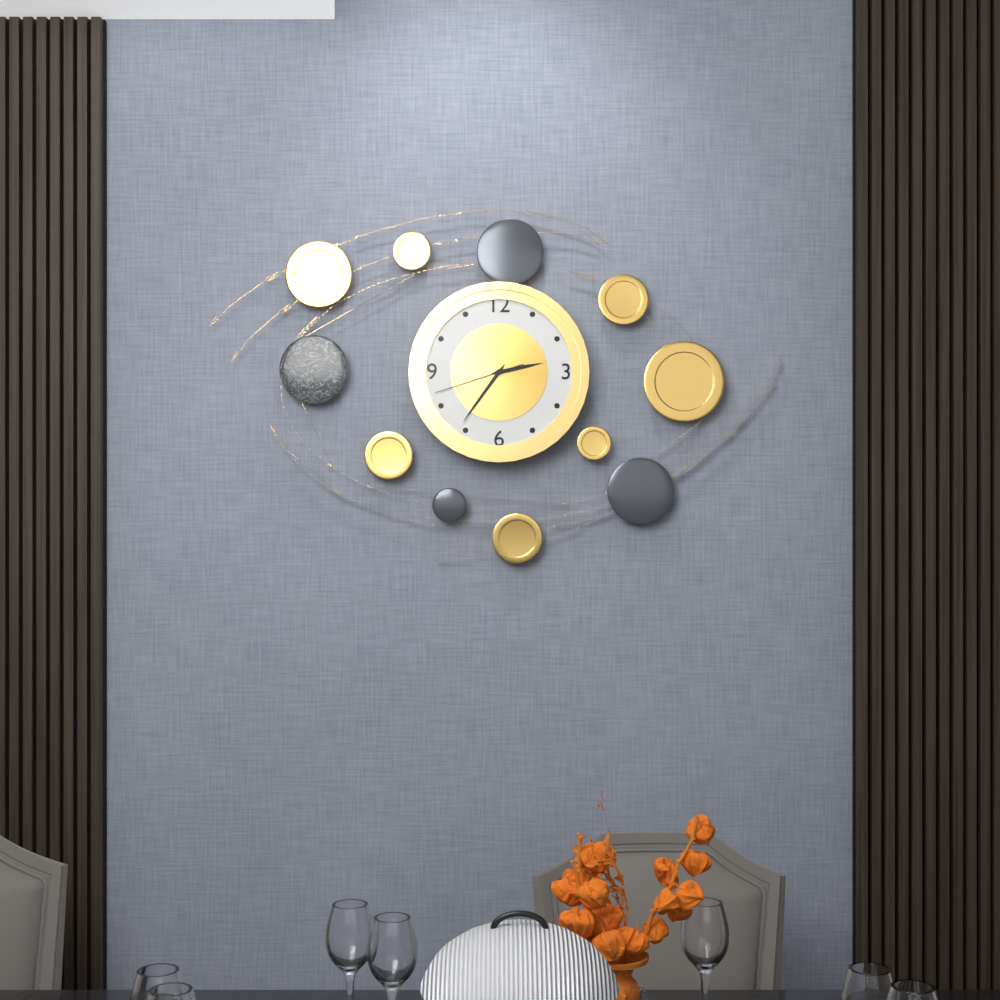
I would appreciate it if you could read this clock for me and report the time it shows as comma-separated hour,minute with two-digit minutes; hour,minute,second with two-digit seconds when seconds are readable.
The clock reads 2,36,42
